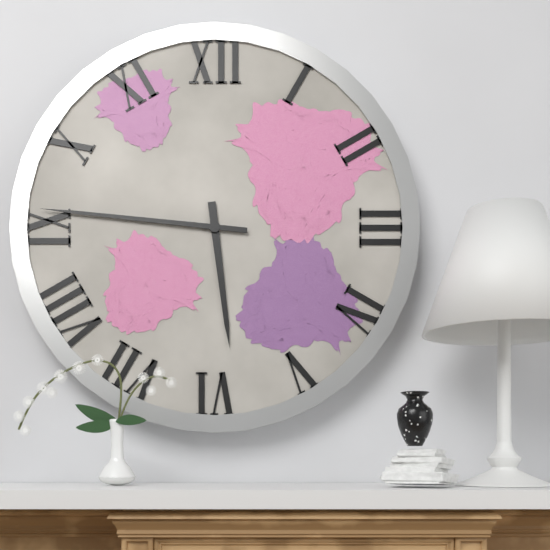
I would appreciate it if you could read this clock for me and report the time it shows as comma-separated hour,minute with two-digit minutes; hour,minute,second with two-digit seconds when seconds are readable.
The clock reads 5,46
